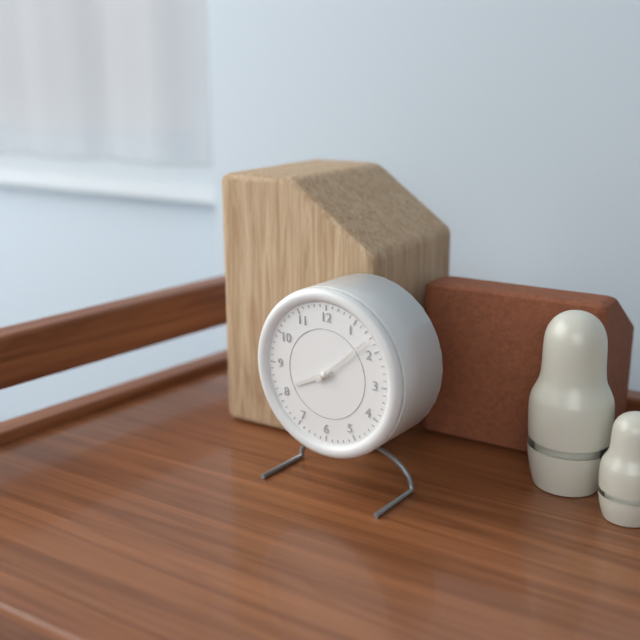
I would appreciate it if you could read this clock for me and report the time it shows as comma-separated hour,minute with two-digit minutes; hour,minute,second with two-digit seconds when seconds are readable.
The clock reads 8,08
